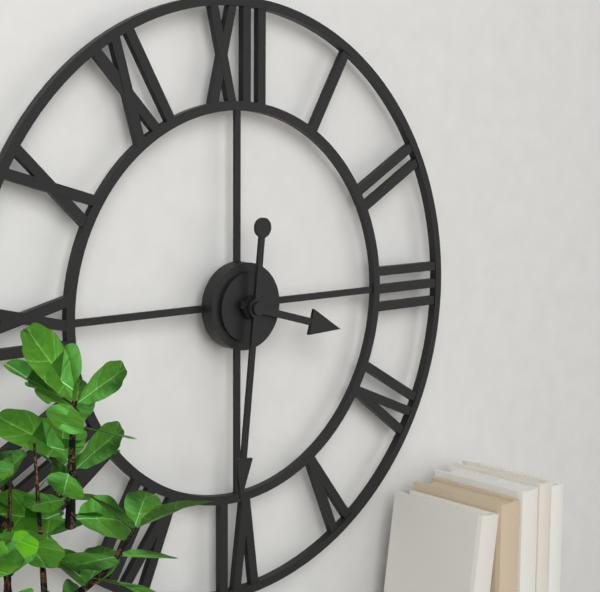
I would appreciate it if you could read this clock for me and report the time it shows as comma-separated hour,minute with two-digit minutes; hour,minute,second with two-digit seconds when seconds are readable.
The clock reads 3,31
